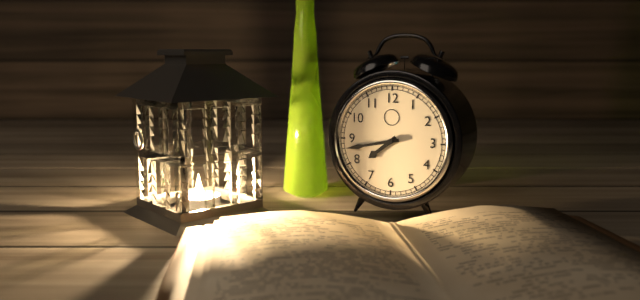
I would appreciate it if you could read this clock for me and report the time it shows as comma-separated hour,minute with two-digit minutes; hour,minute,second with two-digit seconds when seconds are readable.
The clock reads 7,43
